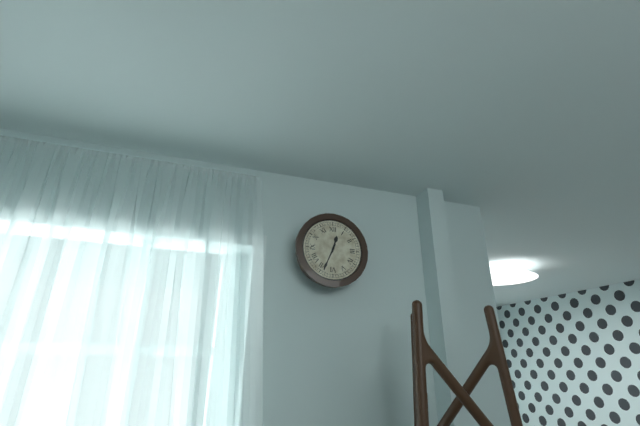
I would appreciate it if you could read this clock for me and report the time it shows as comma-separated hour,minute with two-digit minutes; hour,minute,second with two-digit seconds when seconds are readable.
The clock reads 12,34
